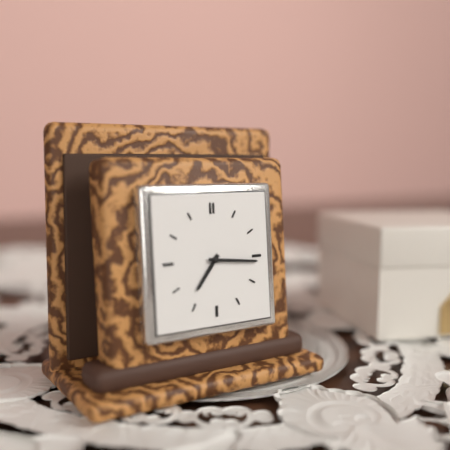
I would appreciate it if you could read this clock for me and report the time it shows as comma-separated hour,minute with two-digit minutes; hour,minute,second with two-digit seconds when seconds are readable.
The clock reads 7,16
